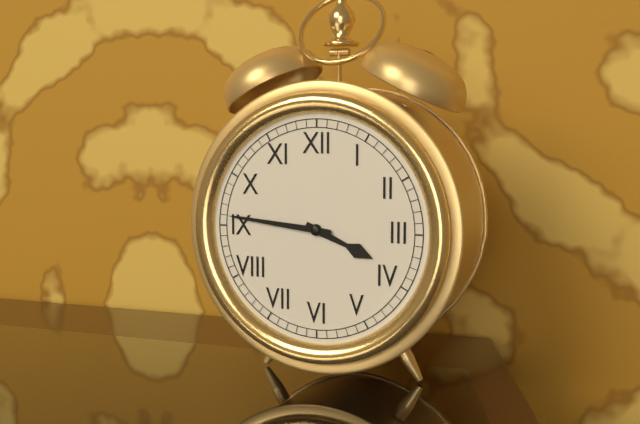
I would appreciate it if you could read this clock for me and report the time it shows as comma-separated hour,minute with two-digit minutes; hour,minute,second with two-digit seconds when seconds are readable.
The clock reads 3,46
